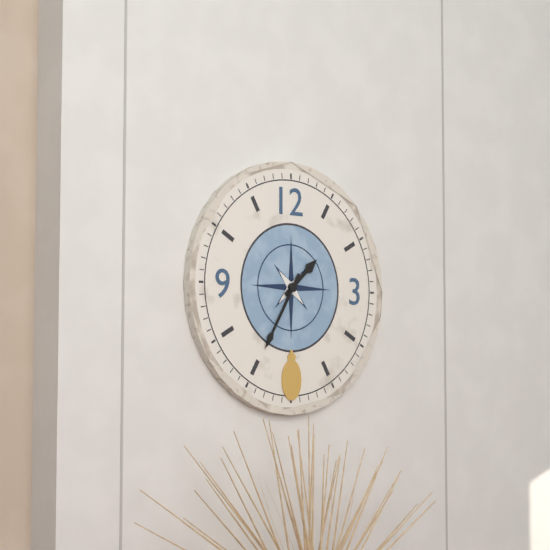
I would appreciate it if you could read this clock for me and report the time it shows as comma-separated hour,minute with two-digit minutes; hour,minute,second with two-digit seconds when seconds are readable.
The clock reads 1,35
